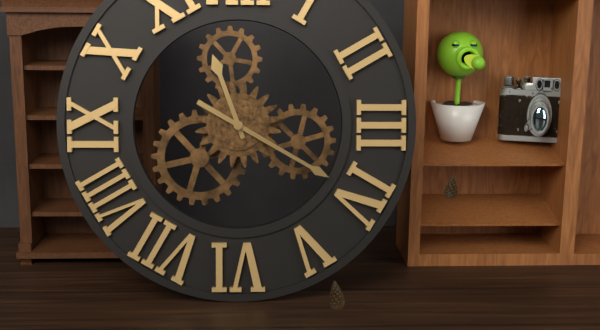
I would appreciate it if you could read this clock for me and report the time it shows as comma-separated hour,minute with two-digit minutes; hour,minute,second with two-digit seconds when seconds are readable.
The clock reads 11,20
